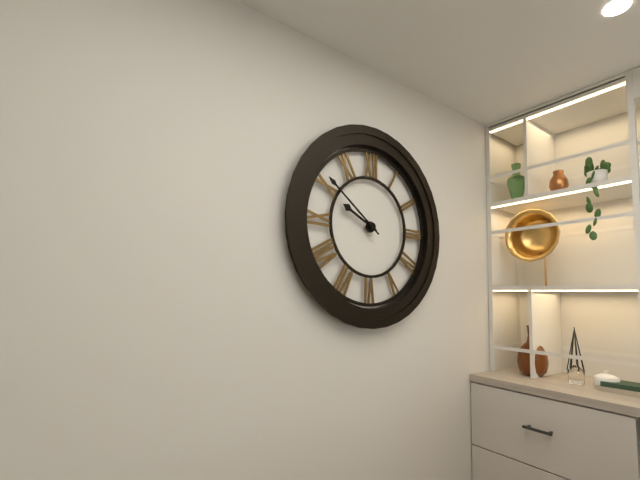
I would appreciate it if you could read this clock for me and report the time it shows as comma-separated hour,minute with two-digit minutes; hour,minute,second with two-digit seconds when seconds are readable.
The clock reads 9,51
